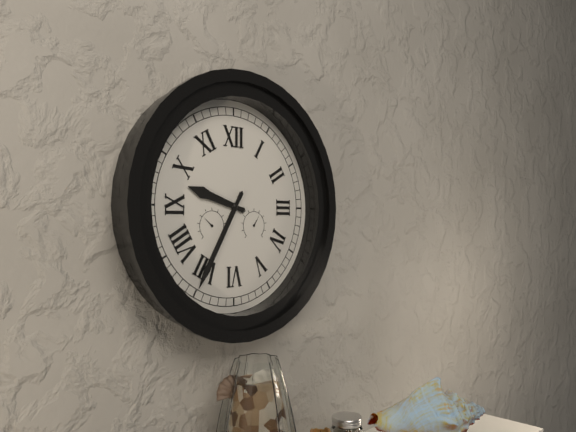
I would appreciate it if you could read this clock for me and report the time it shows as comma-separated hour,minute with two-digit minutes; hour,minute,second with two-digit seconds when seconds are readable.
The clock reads 9,35
